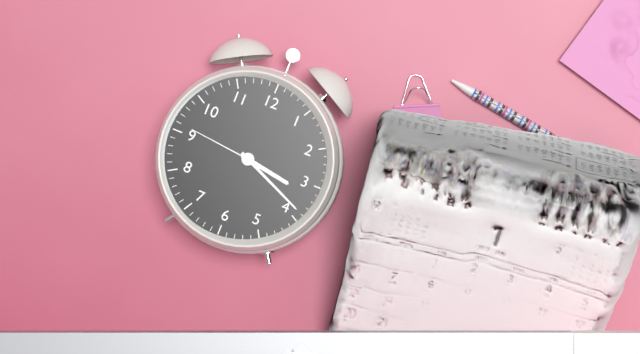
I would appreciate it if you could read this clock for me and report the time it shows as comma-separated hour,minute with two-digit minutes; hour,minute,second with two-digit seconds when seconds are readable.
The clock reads 3,19,46
